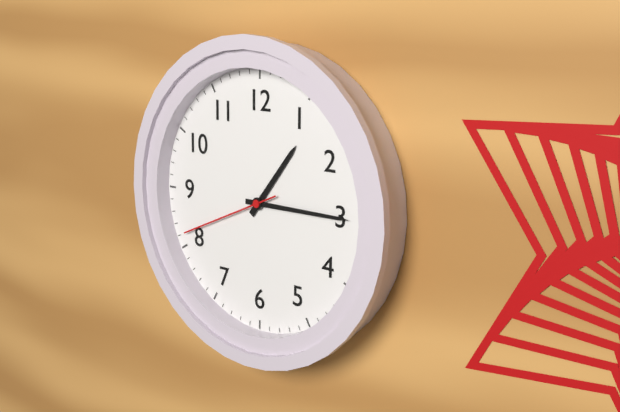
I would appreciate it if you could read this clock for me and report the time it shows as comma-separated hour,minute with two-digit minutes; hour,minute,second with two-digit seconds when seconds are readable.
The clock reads 1,15,41
